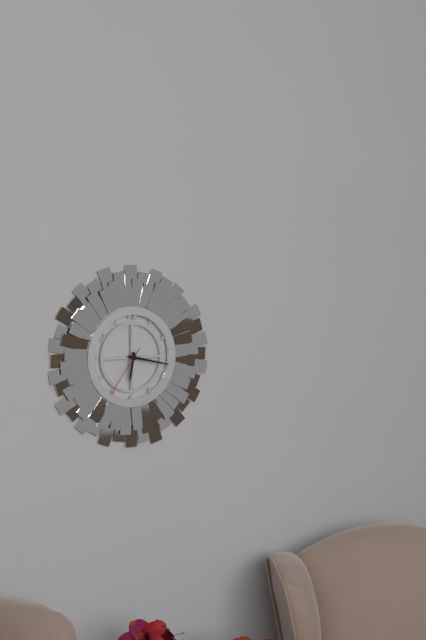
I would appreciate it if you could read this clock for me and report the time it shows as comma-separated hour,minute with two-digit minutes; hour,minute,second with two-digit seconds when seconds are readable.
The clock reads 6,17,36
